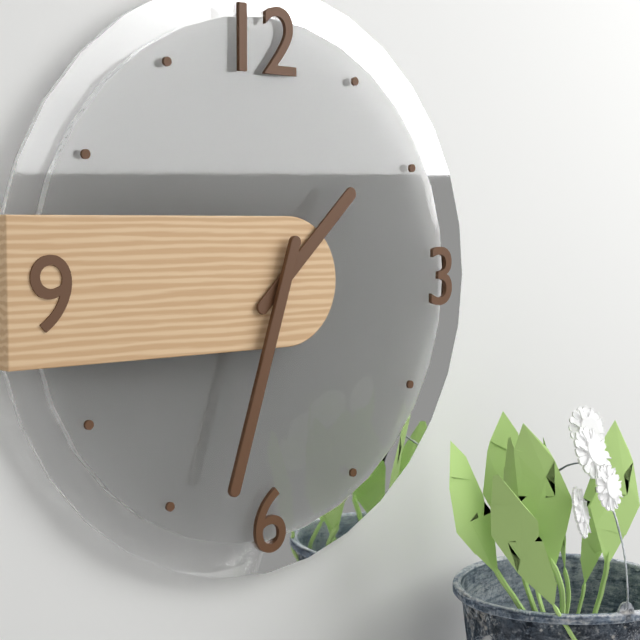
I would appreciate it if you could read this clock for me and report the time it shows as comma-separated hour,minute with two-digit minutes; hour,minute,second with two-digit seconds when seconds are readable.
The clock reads 1,33
